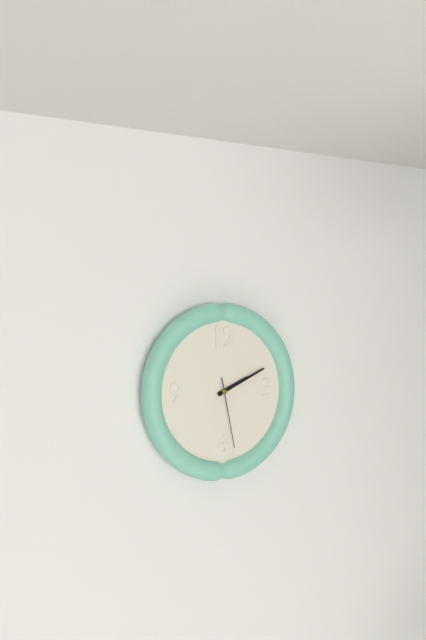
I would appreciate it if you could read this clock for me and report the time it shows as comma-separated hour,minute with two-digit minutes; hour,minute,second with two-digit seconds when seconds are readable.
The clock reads 2,11,28
